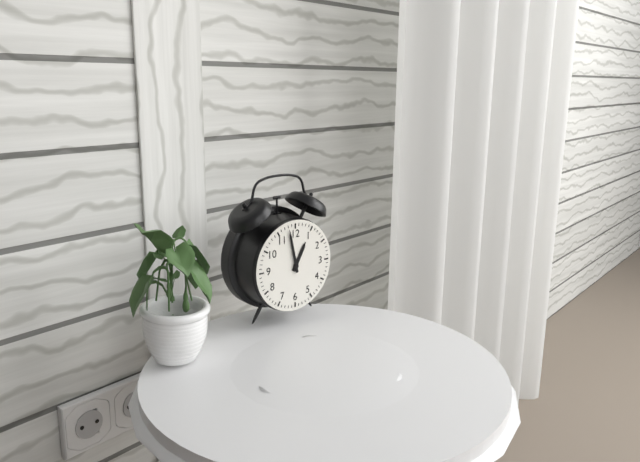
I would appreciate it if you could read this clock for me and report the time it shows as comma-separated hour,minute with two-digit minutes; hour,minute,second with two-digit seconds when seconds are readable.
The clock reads 12,58
